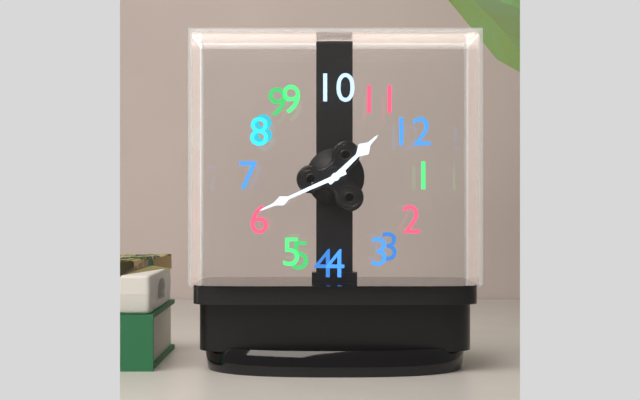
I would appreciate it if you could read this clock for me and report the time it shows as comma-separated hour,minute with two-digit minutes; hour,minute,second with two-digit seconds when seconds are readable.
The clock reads 11,31
